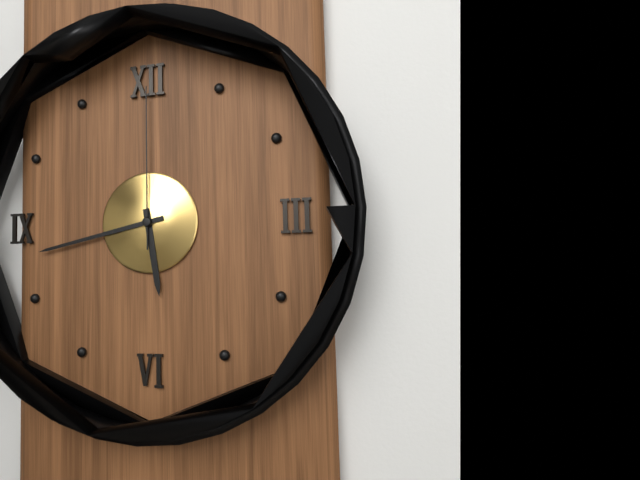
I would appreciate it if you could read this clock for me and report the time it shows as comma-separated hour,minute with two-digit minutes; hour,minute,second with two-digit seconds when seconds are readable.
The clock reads 5,43,00
